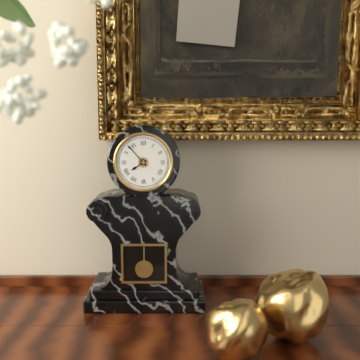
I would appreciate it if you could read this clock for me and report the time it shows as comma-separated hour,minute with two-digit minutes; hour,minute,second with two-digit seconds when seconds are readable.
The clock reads 7,53
